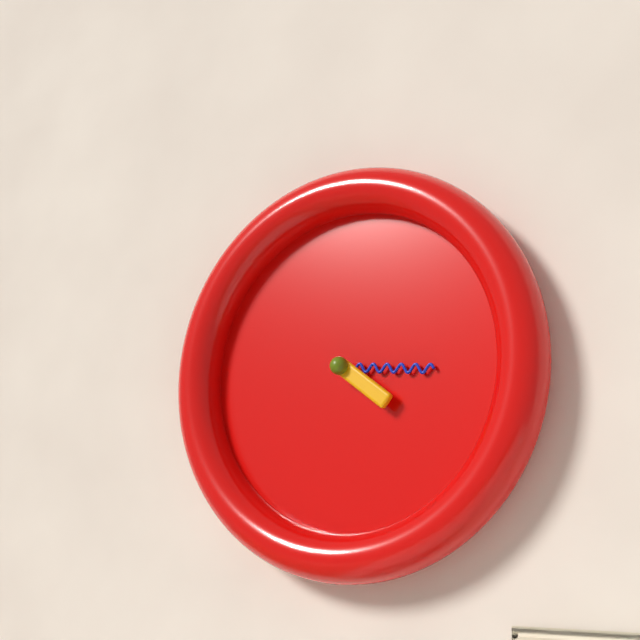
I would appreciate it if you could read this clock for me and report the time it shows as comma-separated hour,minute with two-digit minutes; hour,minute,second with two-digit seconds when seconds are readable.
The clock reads 4,16
